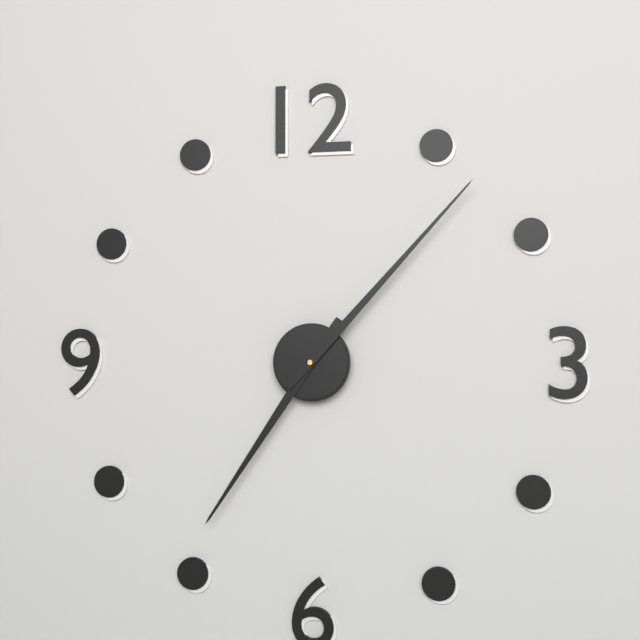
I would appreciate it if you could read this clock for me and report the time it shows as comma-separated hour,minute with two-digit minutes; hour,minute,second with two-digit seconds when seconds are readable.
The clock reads 7,07
